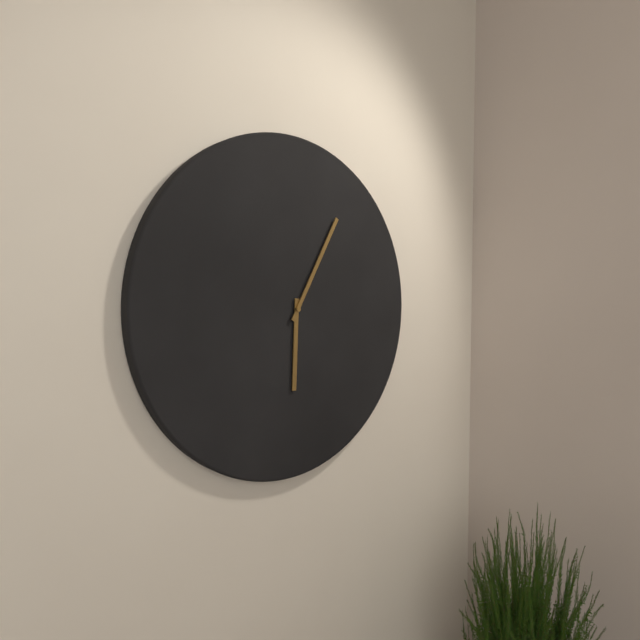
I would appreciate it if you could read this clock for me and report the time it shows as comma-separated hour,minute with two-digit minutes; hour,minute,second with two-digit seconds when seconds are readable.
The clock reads 6,05
